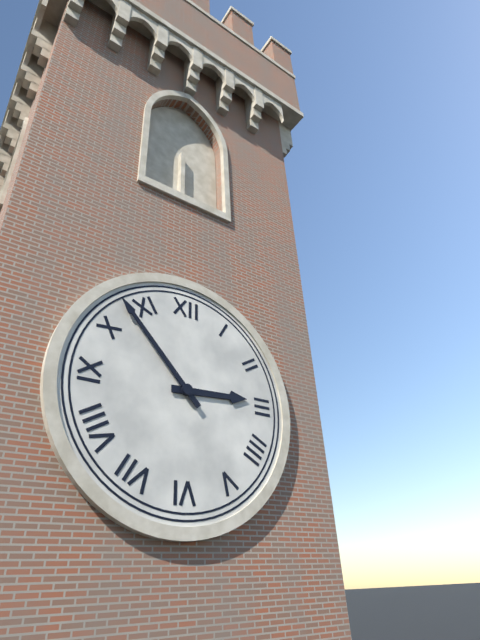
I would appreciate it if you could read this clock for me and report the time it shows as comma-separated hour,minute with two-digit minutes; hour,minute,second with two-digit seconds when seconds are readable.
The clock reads 2,53
